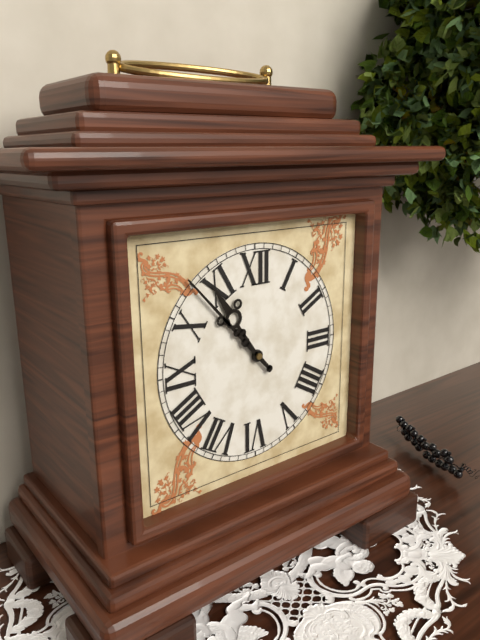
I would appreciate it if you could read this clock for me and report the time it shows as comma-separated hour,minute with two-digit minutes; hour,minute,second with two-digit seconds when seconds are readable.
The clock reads 10,53
